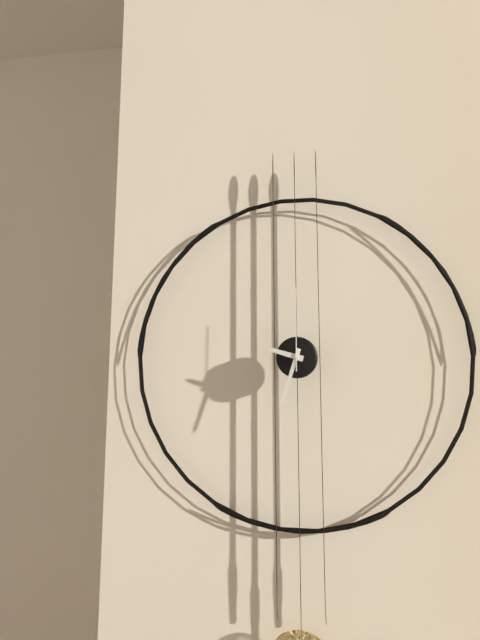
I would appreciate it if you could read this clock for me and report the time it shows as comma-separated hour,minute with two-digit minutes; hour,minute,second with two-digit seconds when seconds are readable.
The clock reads 9,33,00
